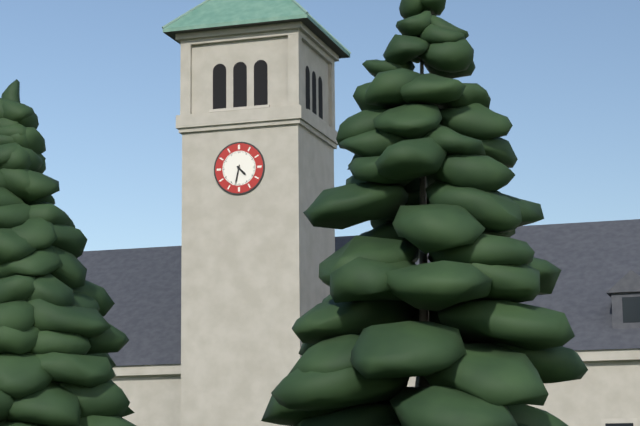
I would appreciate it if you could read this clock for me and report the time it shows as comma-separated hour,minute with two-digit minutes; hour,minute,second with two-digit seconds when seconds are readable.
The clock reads 4,32
